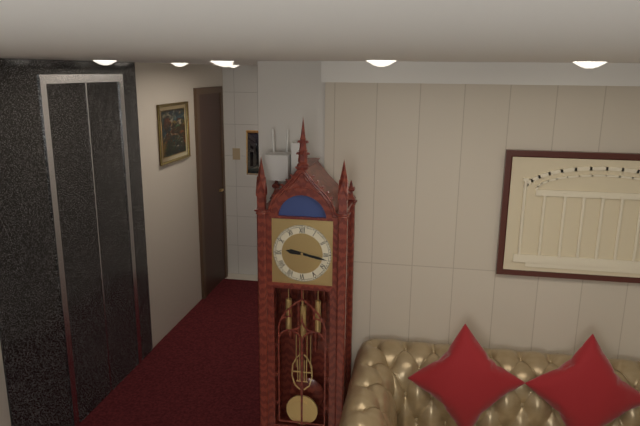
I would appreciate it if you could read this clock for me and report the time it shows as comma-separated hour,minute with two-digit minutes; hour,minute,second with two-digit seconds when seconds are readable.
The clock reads 9,17
